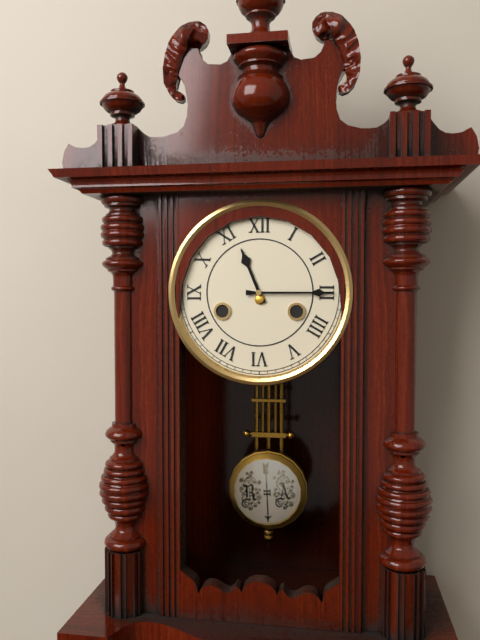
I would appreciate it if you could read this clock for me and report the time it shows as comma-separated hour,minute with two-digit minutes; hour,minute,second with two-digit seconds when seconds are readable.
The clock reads 11,15
